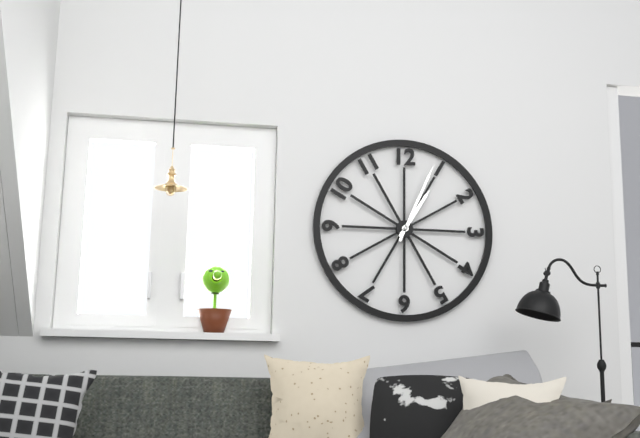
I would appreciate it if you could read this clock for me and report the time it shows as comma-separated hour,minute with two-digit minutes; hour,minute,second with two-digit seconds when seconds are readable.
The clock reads 1,04
